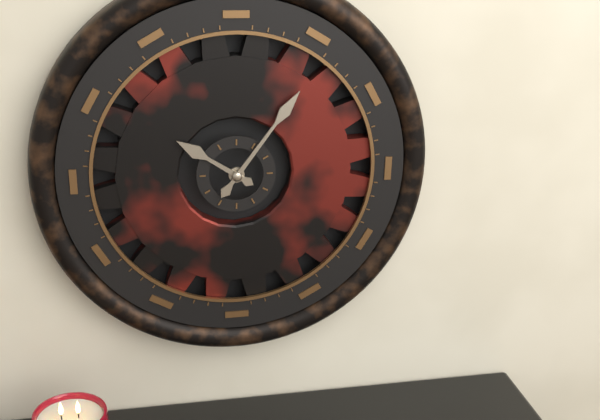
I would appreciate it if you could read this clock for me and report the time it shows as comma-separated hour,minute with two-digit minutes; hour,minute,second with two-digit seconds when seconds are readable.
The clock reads 10,06
